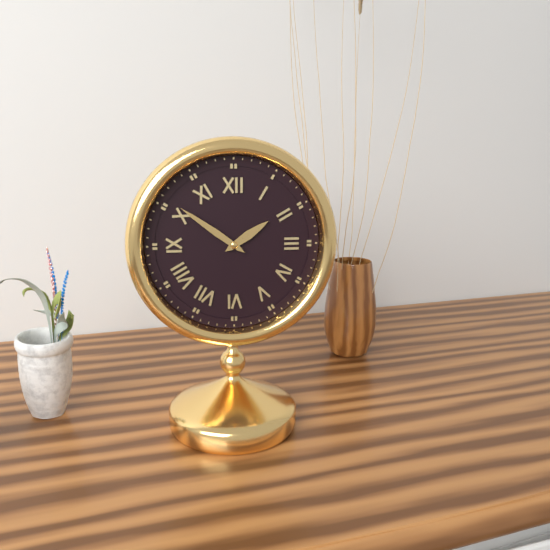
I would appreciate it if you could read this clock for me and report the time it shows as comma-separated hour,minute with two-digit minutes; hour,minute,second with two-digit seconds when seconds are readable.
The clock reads 1,51
